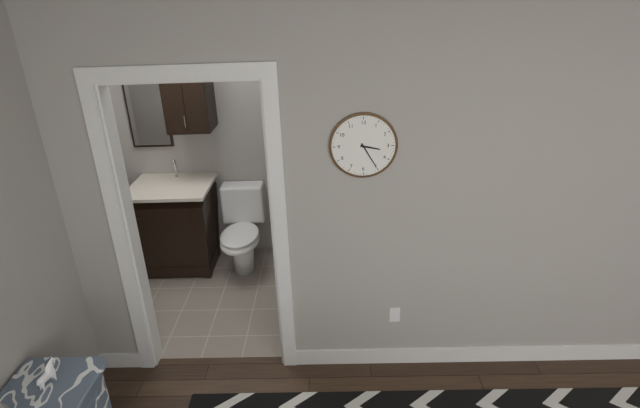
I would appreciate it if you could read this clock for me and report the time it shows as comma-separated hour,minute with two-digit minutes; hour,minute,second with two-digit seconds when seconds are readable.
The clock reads 3,25
